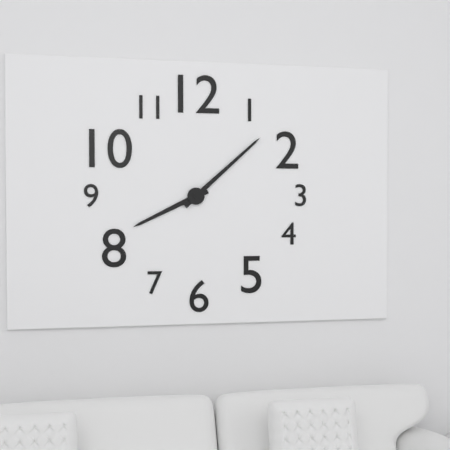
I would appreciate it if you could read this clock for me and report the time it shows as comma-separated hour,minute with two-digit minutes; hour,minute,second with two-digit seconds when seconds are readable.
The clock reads 8,08
